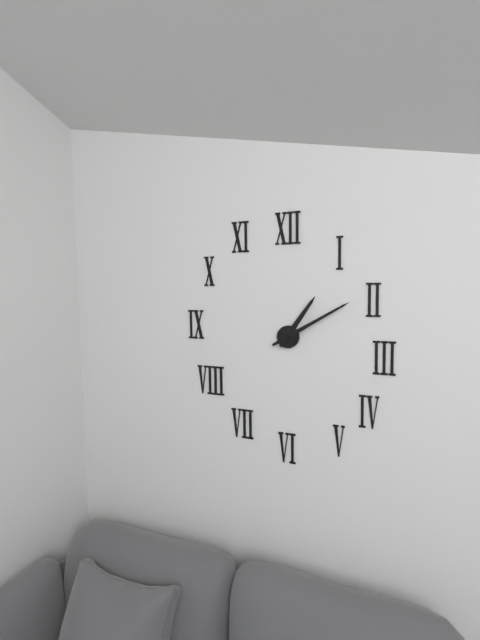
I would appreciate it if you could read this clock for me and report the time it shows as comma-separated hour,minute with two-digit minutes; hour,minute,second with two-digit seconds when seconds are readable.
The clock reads 1,10
